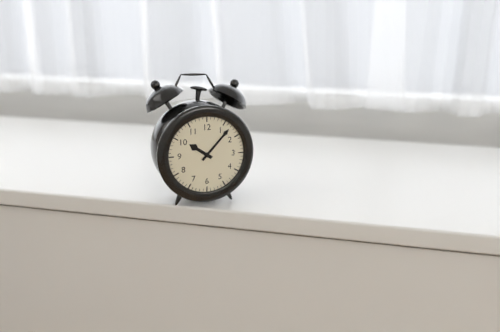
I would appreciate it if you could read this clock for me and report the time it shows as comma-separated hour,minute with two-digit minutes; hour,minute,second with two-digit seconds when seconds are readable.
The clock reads 10,07
